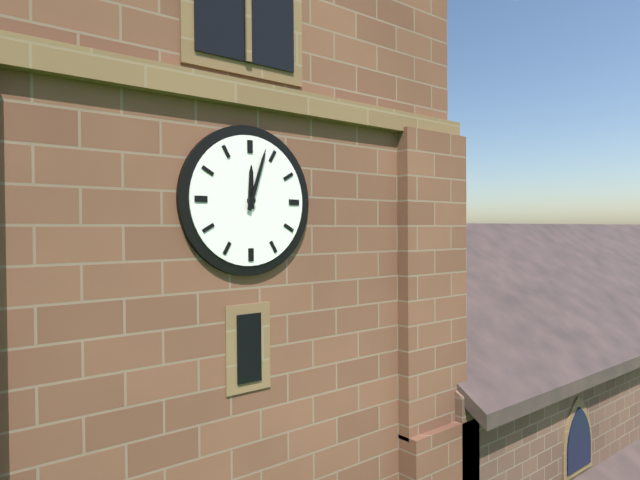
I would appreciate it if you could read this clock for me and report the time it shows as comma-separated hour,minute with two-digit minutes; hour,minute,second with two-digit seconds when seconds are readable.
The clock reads 12,03
